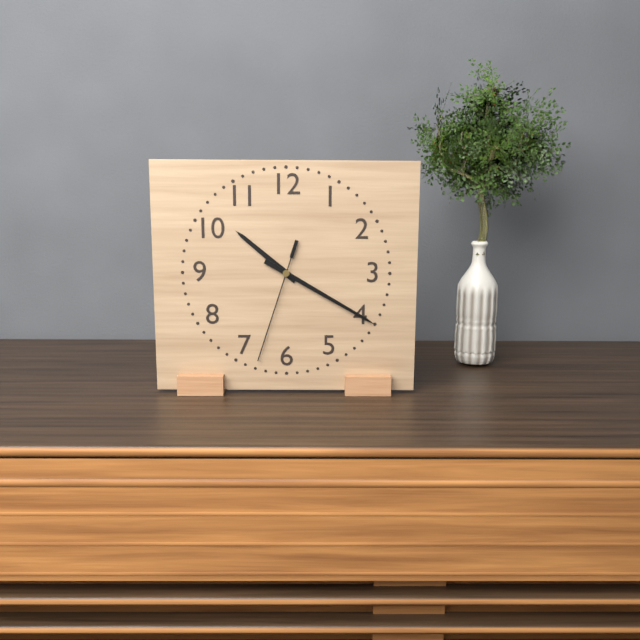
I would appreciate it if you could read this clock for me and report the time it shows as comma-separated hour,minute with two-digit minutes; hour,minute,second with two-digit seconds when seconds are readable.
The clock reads 10,20,33
